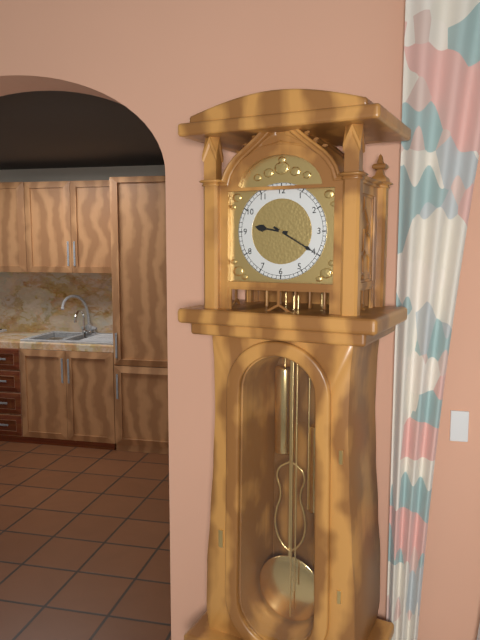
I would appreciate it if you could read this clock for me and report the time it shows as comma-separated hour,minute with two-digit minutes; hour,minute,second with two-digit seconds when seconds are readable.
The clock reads 9,20
